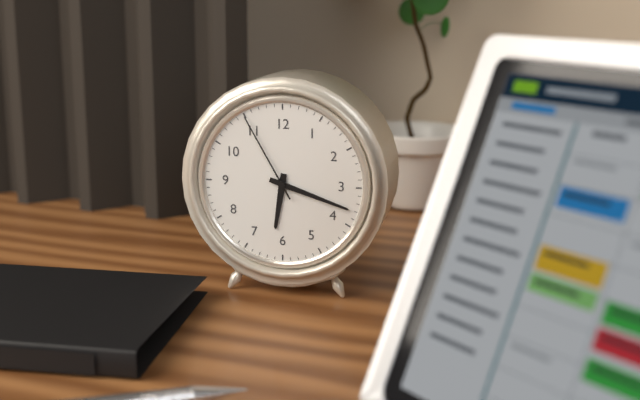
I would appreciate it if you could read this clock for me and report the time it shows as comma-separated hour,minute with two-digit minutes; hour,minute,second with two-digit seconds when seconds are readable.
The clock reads 6,18,55
